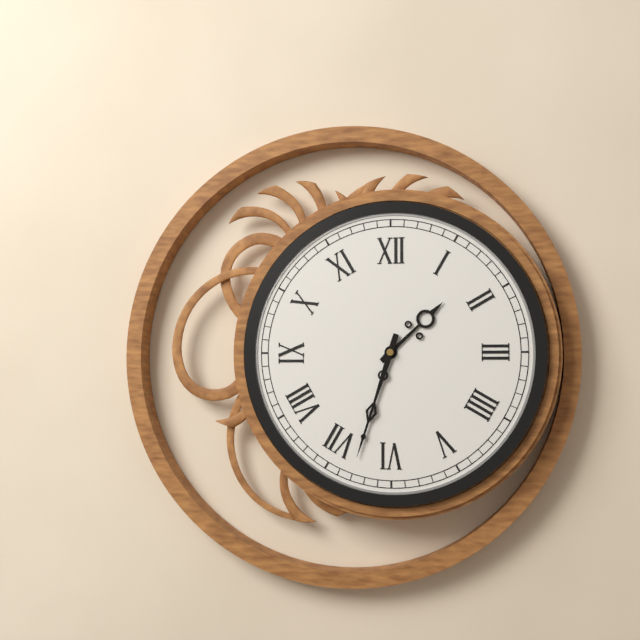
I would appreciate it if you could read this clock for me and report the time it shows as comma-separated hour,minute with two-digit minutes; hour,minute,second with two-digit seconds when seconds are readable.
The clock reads 1,33
